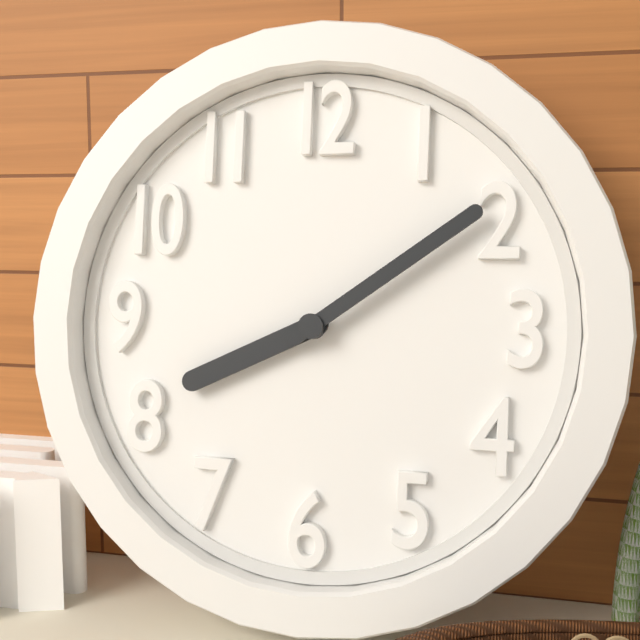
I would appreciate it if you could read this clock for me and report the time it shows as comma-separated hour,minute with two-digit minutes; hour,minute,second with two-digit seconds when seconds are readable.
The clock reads 8,09
